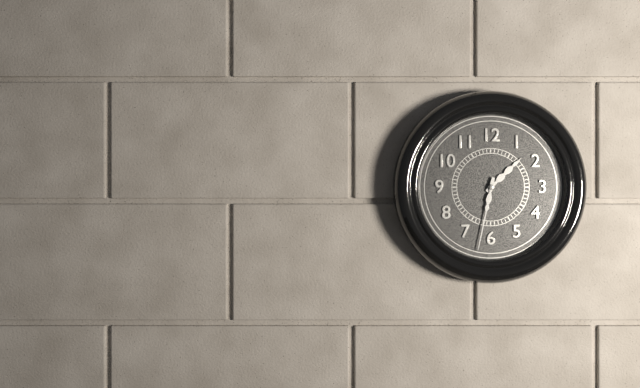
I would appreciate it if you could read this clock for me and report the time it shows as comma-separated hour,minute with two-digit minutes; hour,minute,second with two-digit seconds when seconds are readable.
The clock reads 1,32
